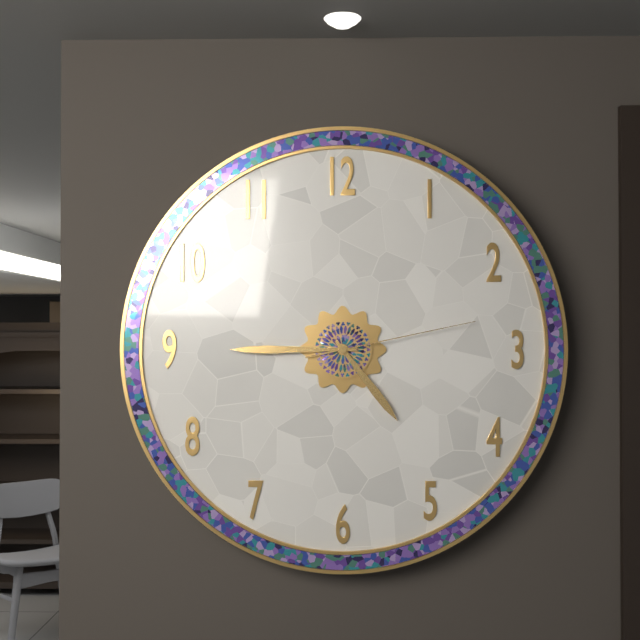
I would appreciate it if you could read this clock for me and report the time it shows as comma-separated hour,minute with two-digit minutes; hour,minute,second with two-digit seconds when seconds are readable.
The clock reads 4,45,13
